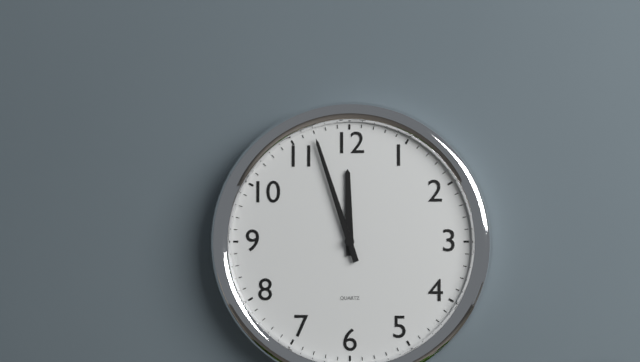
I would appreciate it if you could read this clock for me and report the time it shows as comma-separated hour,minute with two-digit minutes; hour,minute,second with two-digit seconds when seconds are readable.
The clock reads 11,57
